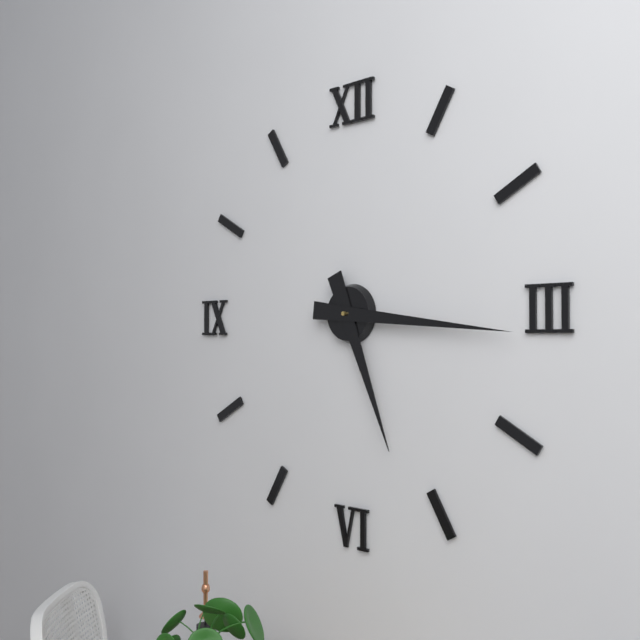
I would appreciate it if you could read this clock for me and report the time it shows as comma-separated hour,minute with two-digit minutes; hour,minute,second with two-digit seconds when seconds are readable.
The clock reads 5,16
